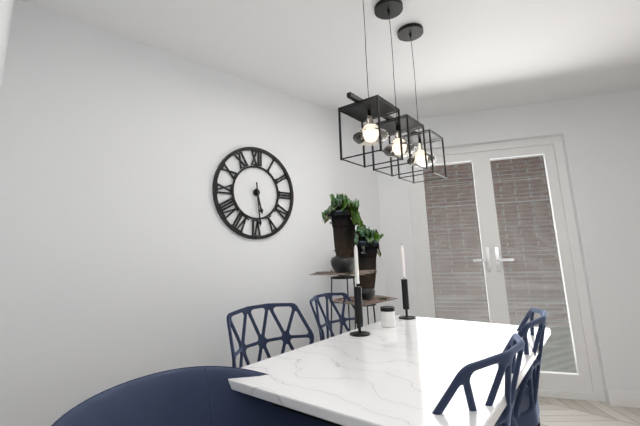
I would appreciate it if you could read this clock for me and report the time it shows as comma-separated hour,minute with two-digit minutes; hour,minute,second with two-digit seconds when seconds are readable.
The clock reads 5,29
